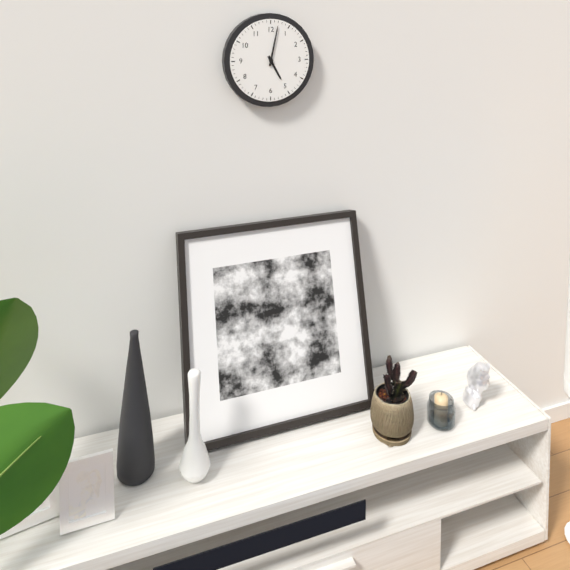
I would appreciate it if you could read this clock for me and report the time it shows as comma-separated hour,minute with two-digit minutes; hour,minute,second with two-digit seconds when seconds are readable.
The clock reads 5,02
